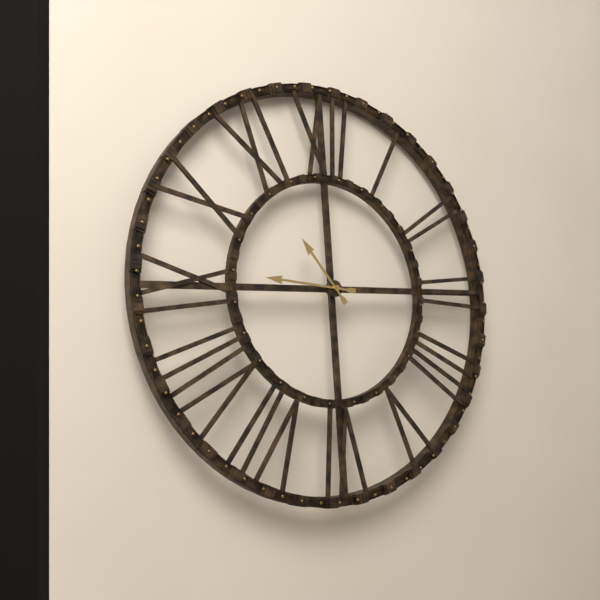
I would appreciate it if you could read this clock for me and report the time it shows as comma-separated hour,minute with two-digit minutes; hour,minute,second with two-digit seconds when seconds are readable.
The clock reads 10,46
